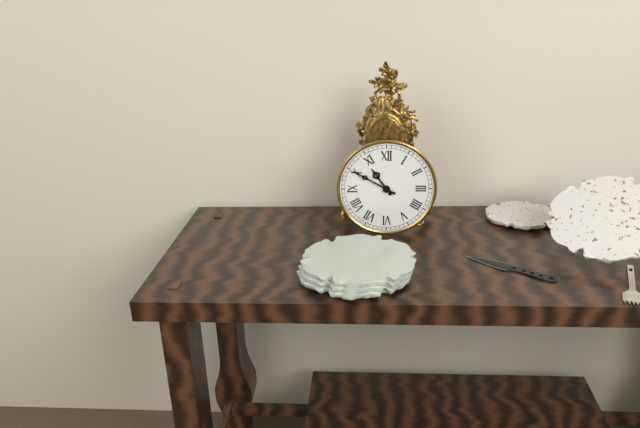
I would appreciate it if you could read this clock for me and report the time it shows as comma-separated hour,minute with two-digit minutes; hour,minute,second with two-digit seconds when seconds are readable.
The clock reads 10,50
